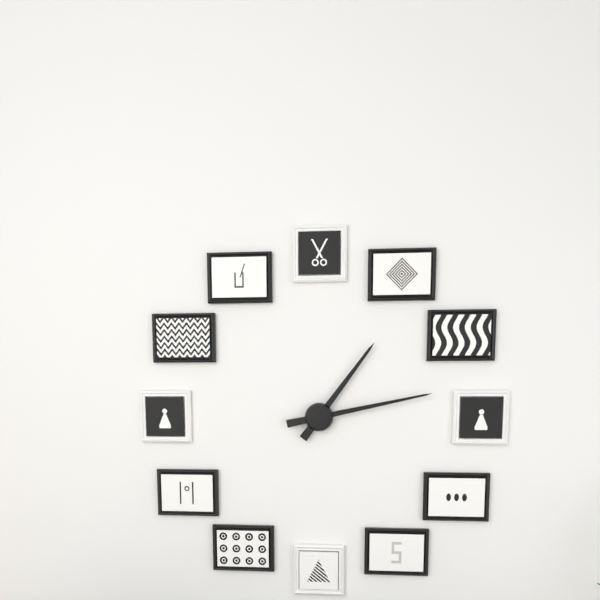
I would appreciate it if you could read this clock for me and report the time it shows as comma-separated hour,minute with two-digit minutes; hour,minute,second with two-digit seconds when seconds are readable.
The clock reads 1,13
